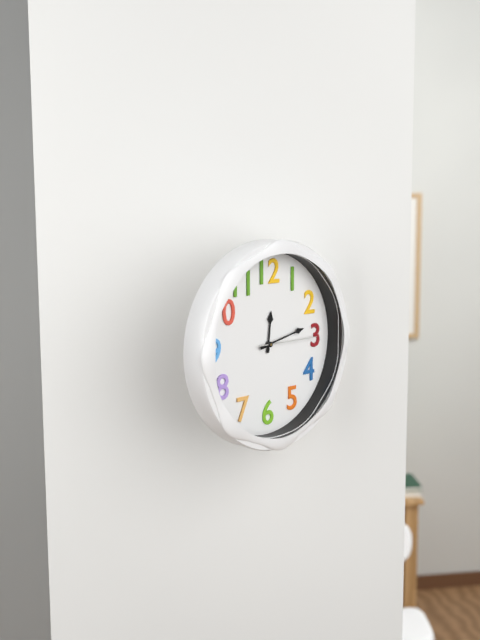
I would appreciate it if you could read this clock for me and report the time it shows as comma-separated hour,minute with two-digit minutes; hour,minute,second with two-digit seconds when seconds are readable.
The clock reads 12,13,15
